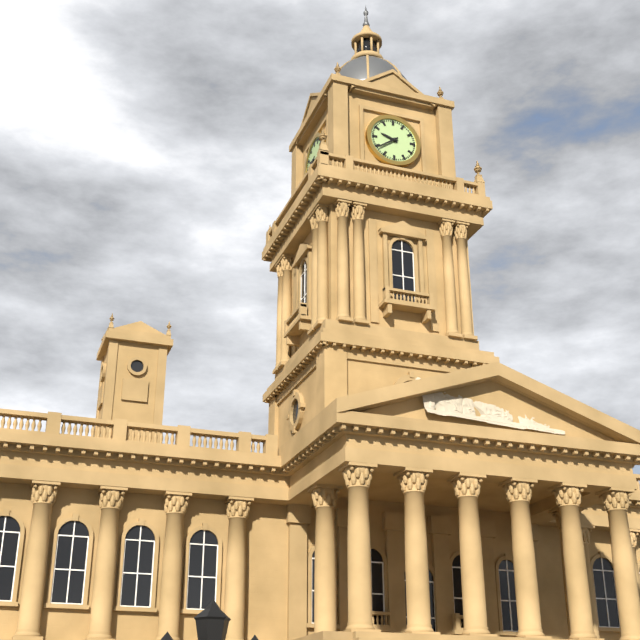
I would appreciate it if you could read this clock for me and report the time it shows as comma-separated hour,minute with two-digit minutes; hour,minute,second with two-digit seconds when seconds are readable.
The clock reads 9,39
